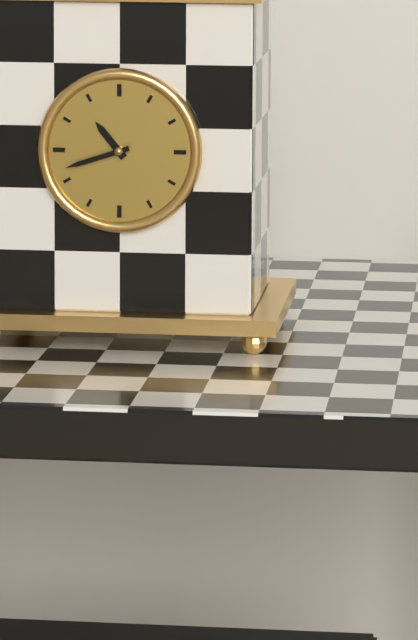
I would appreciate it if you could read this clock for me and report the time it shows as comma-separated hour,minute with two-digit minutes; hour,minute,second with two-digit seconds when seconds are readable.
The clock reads 10,42
